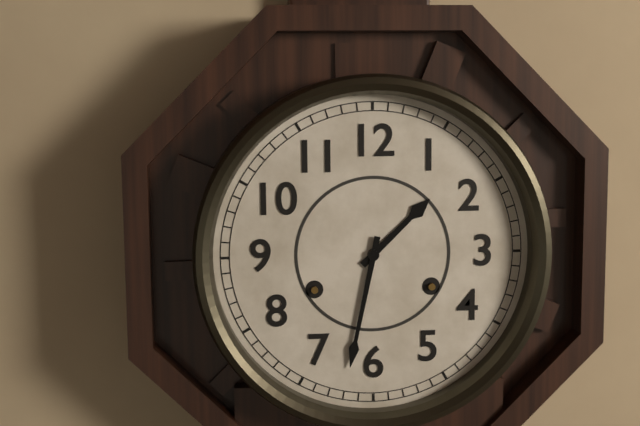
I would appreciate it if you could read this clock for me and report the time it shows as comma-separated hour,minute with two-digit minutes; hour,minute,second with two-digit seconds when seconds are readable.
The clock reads 1,32
